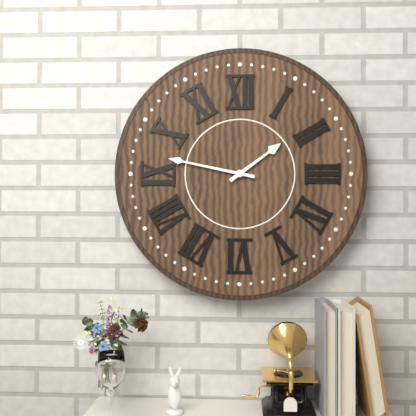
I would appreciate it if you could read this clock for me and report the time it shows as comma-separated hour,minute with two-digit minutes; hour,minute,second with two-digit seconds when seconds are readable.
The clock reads 1,47
